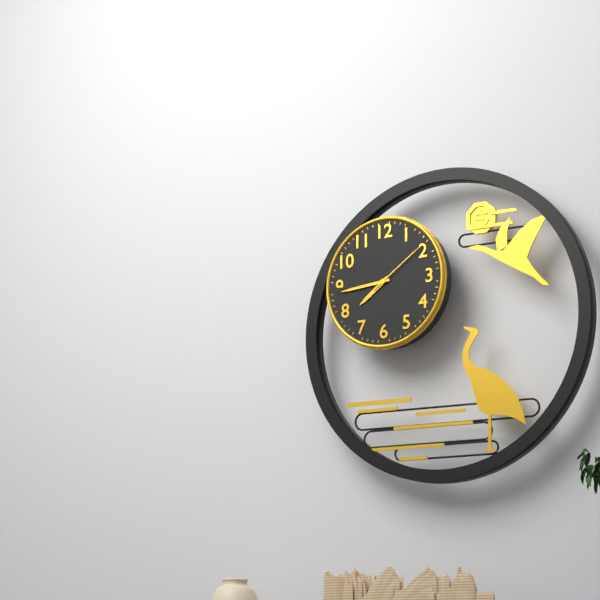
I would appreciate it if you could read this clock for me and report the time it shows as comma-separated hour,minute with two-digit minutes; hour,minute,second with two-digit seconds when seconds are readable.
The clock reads 7,44,09
